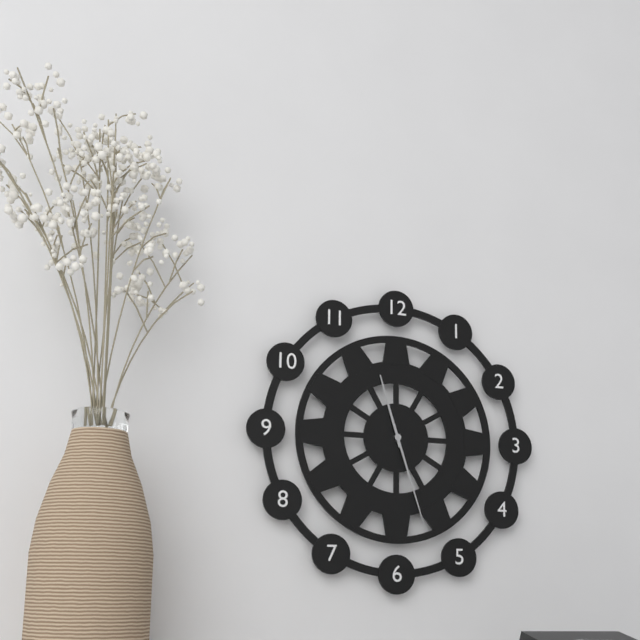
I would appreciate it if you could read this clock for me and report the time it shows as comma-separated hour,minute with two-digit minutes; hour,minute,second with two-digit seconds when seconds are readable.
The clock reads 11,27
